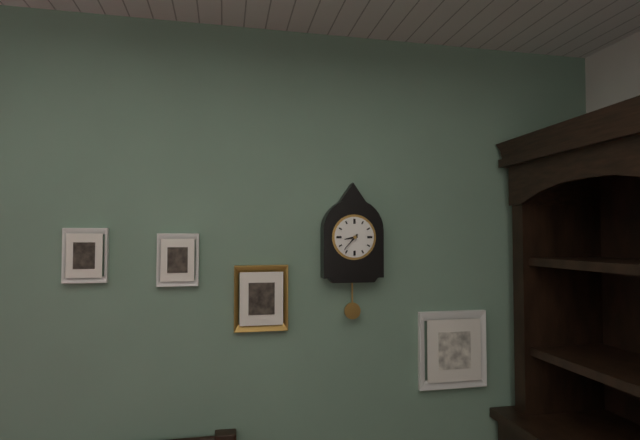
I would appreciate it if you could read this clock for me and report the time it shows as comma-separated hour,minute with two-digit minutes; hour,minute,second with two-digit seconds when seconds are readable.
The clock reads 8,37
